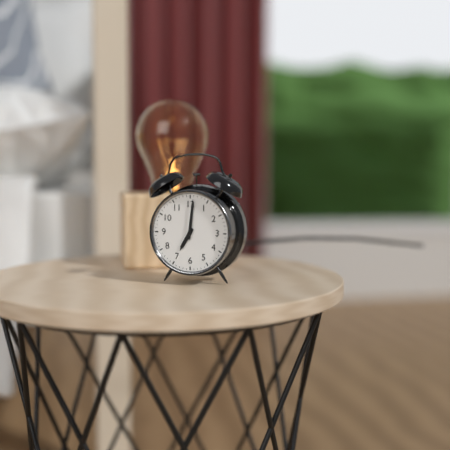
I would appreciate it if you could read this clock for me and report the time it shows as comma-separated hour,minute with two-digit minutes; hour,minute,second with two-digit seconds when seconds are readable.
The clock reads 7,01
